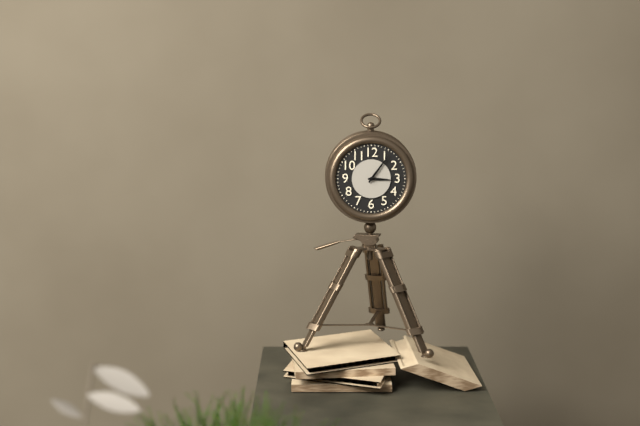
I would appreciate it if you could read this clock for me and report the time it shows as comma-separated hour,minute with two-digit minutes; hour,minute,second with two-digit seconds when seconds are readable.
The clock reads 3,06
